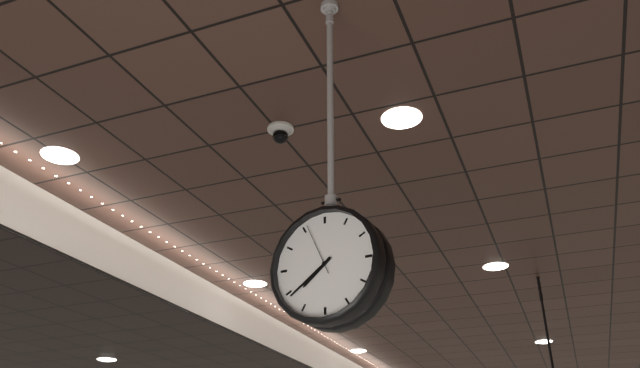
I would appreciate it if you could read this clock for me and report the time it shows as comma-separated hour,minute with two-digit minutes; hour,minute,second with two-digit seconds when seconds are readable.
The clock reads 7,39,56
